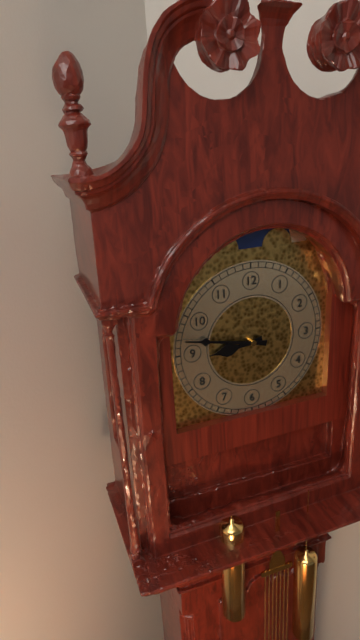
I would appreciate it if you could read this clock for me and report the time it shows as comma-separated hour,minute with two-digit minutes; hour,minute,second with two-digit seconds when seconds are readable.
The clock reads 8,47
